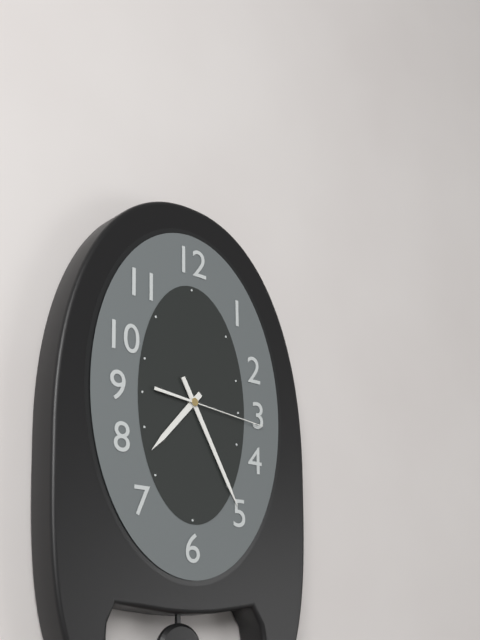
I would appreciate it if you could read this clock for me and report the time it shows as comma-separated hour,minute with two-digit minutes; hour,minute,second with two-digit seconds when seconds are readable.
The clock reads 7,25,16
